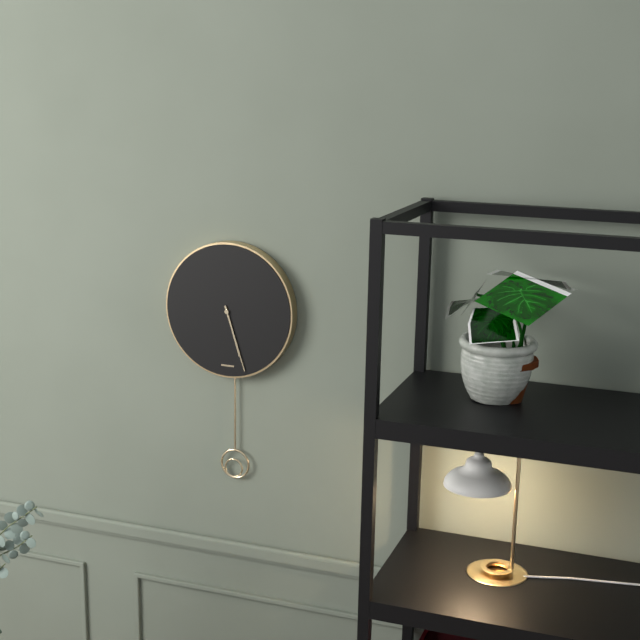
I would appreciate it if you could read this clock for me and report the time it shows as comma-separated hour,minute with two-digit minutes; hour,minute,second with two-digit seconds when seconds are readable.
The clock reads 5,27
